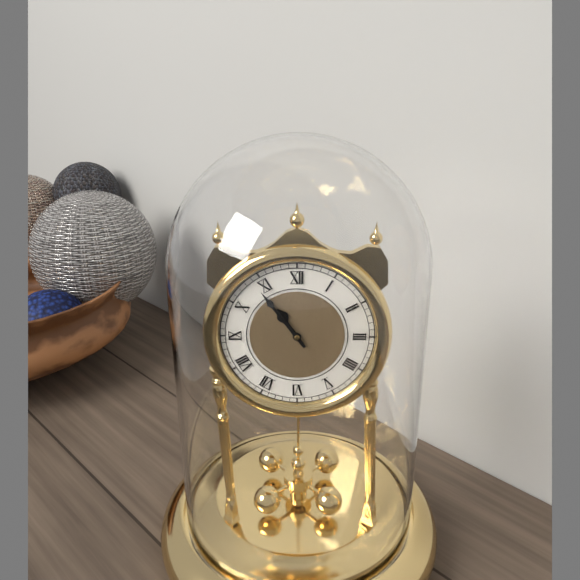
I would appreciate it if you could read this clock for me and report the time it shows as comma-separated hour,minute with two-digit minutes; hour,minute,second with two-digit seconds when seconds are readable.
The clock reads 10,54
